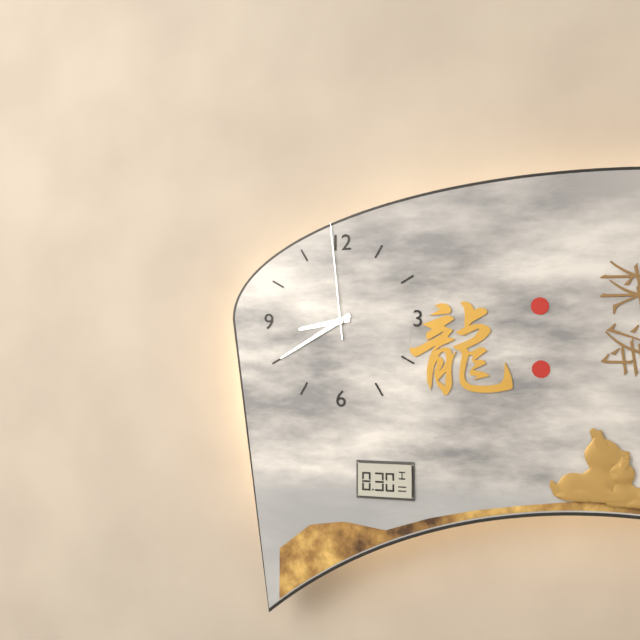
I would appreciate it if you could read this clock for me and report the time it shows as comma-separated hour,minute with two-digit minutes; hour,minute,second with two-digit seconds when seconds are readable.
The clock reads 8,40,59
